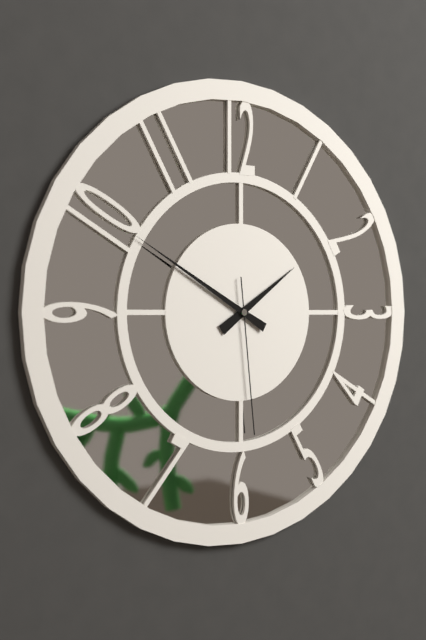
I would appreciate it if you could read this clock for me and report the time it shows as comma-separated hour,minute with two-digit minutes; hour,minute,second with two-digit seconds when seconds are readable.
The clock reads 1,50,29
